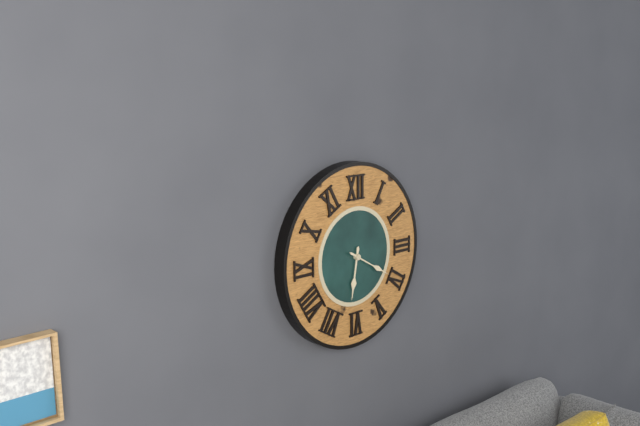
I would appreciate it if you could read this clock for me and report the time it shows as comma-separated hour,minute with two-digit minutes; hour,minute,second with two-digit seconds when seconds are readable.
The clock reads 6,20
